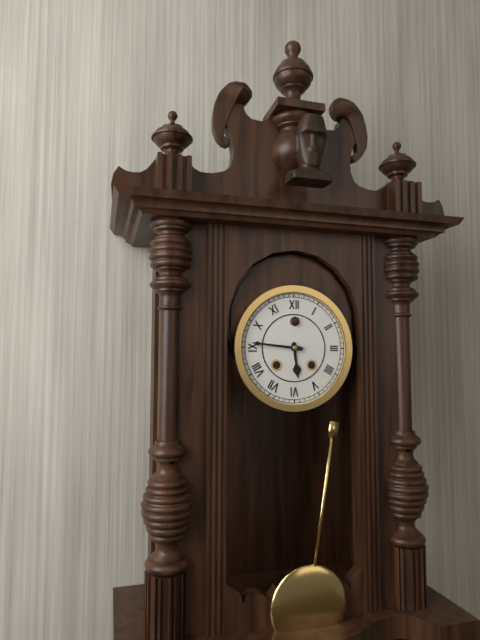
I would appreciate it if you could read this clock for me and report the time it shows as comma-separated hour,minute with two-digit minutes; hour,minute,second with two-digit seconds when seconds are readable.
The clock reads 5,46
